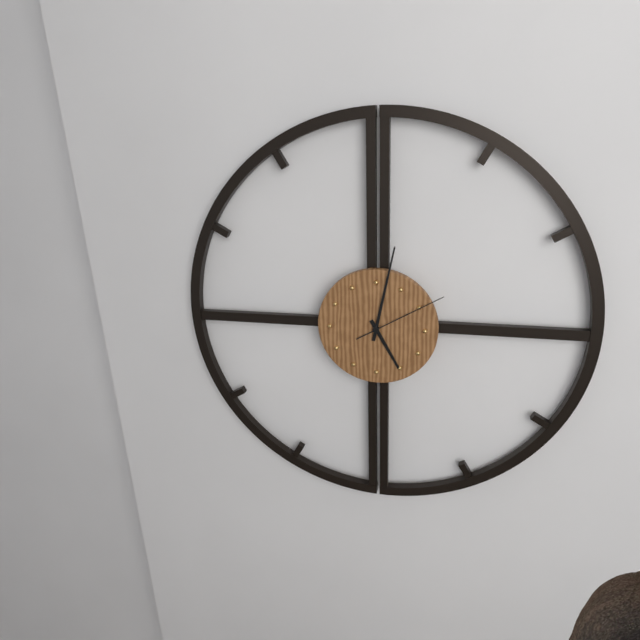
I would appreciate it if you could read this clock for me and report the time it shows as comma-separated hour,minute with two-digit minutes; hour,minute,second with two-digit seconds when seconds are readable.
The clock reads 5,02,10
